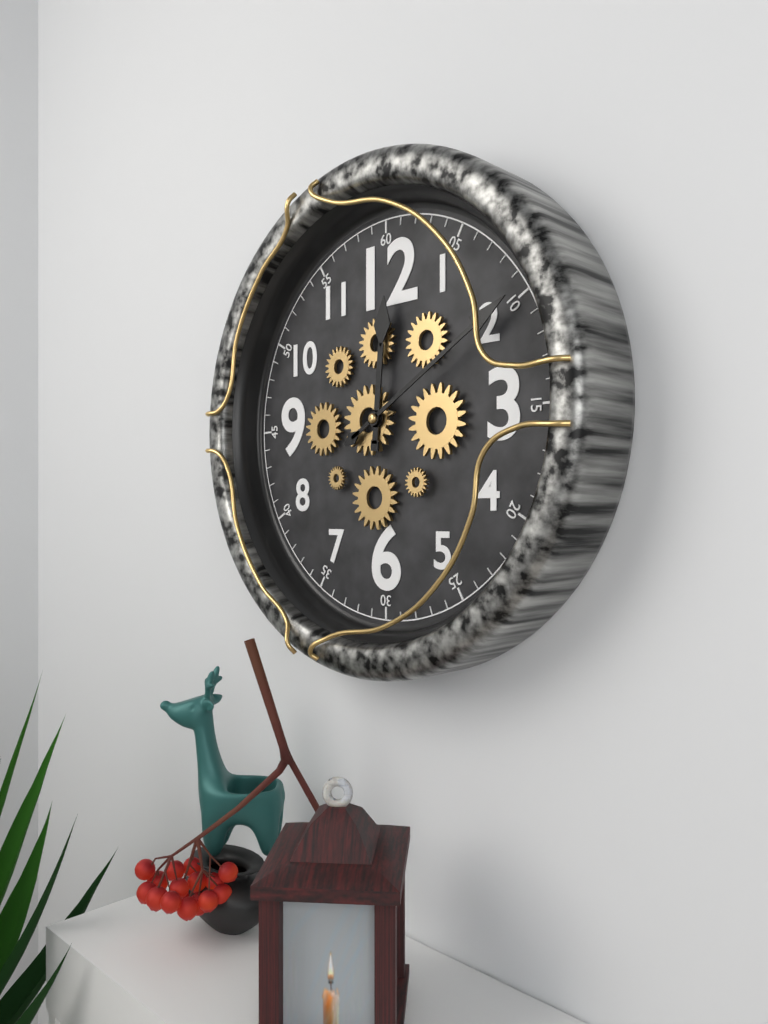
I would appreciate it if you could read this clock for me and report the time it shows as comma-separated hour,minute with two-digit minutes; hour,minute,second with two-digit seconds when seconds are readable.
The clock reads 12,10
